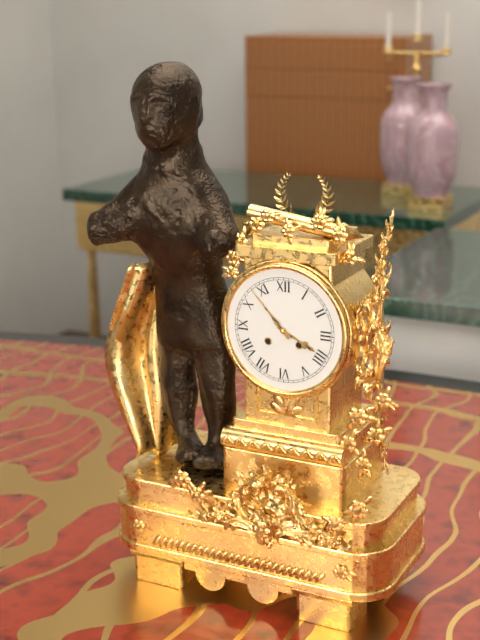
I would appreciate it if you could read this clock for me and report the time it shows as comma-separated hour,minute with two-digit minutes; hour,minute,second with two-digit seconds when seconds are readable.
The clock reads 3,53
